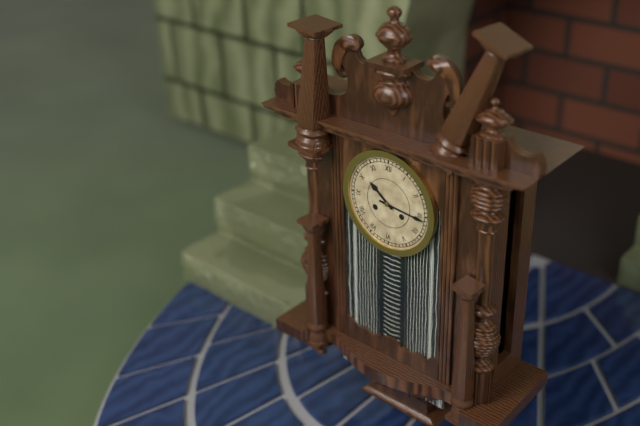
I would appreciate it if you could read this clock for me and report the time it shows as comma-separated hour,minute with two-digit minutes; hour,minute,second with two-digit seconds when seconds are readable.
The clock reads 10,16
